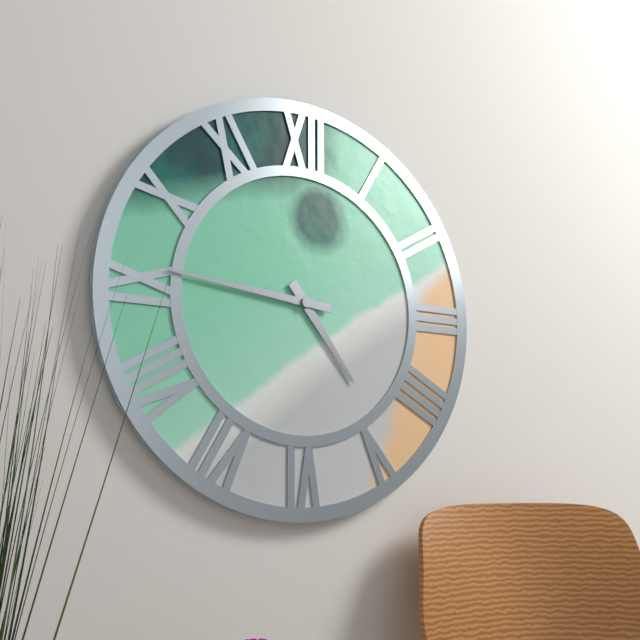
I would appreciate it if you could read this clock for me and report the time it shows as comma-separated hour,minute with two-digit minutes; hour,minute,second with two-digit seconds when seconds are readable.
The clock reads 4,46
